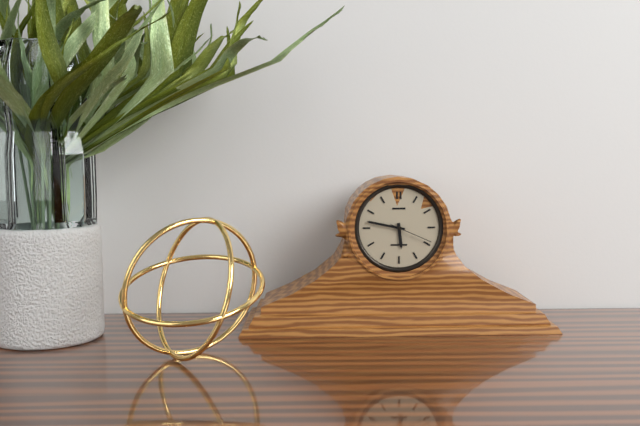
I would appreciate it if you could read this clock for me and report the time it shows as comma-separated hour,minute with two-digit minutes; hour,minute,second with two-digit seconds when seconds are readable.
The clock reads 5,47
